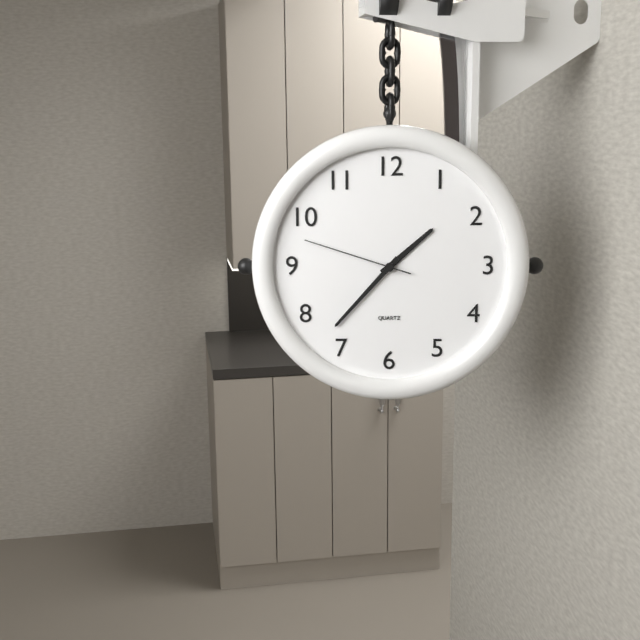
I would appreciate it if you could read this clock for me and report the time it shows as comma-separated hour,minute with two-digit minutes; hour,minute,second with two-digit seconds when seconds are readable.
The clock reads 1,37,48
